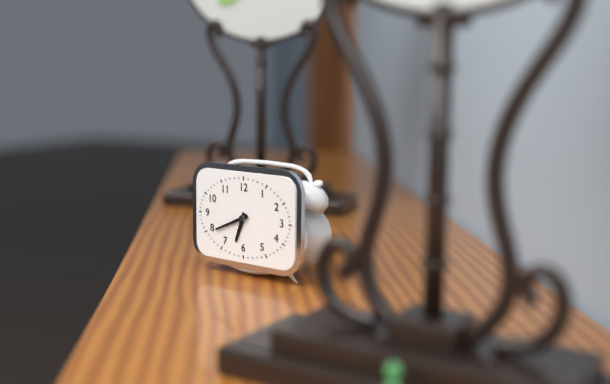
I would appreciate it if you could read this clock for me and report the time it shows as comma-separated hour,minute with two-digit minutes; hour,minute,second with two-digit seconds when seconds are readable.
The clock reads 6,41
